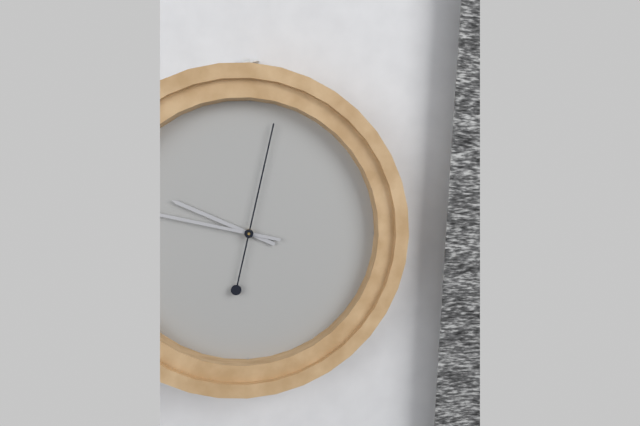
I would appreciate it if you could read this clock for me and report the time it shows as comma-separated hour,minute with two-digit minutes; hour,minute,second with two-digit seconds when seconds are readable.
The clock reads 9,47,02
